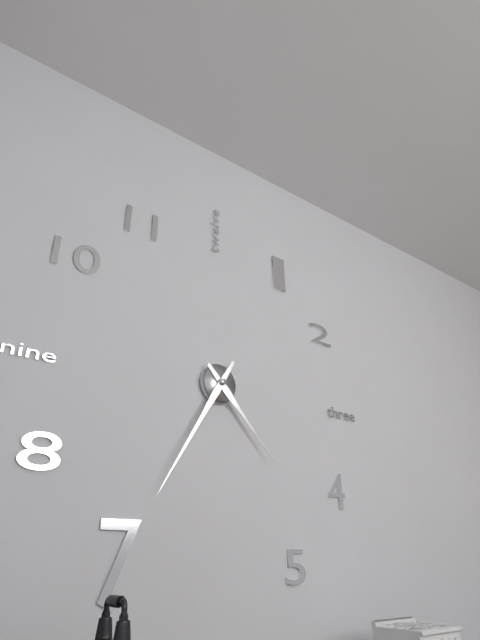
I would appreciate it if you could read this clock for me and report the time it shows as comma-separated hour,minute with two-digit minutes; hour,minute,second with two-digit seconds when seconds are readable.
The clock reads 4,35
